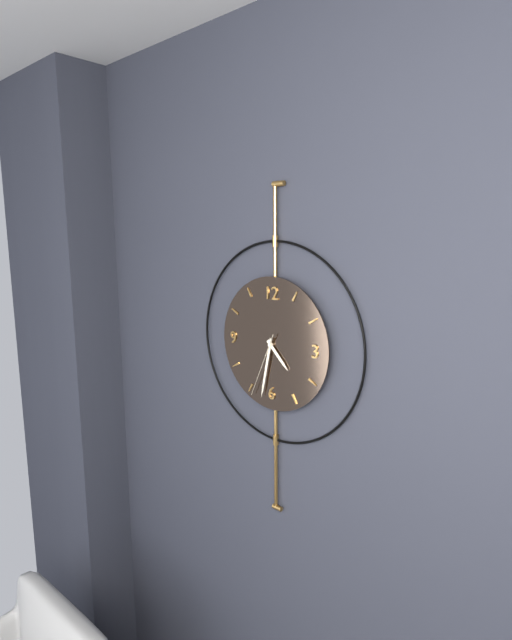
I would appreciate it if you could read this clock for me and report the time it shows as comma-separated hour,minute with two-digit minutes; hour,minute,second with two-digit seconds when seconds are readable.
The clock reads 4,32,34
